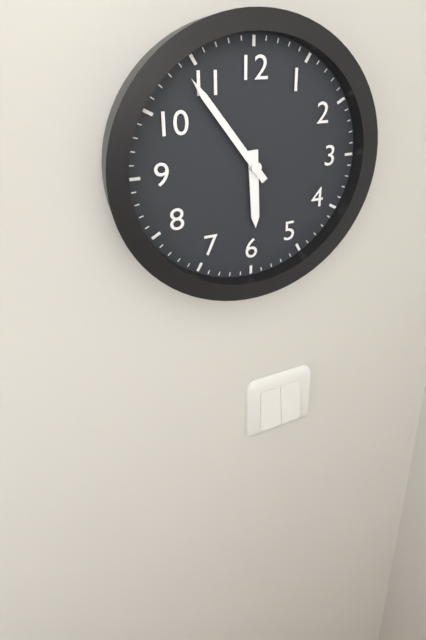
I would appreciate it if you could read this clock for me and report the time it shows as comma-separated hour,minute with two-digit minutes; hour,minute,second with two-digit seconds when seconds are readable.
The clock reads 5,54
